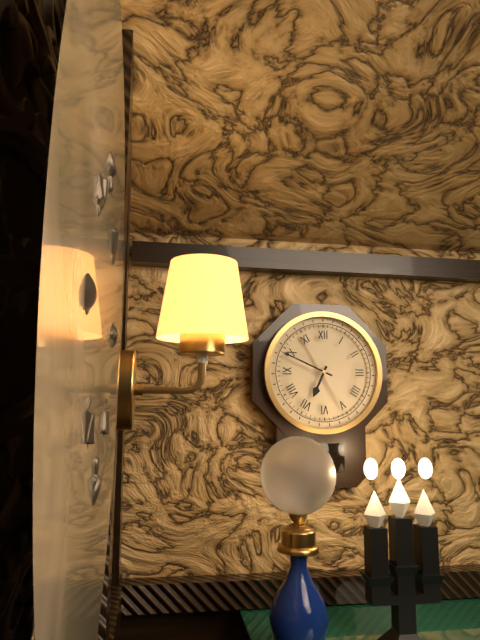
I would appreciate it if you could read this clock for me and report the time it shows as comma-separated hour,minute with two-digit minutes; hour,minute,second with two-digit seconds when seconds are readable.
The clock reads 6,49
